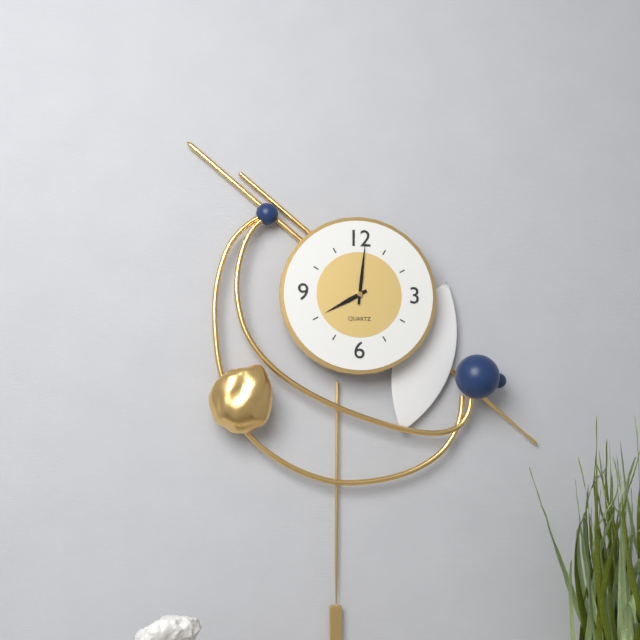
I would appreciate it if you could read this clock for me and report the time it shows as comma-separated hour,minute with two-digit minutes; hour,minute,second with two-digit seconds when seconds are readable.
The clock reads 8,01
